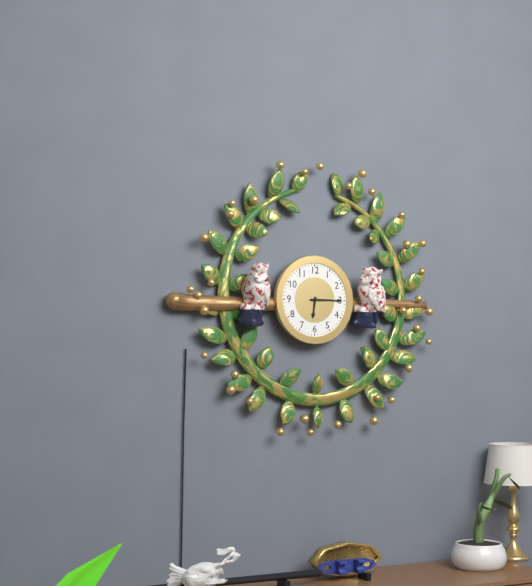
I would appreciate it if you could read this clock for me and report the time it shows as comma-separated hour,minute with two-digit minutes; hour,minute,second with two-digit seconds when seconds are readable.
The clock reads 6,15
